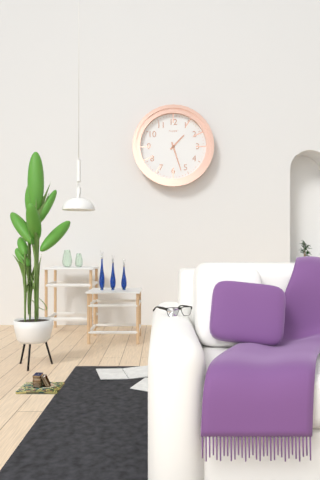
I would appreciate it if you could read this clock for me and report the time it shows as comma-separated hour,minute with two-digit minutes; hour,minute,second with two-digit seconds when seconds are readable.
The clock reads 1,27
